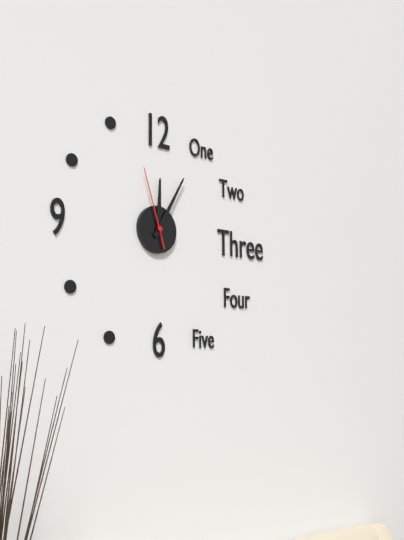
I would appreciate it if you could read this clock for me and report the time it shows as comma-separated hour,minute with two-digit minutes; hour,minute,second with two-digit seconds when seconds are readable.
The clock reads 12,05,57
